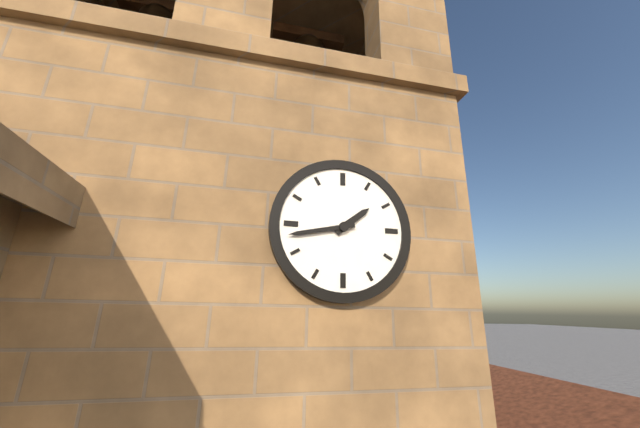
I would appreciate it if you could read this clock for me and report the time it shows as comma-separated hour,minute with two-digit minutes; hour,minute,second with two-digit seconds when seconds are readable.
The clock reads 1,43
